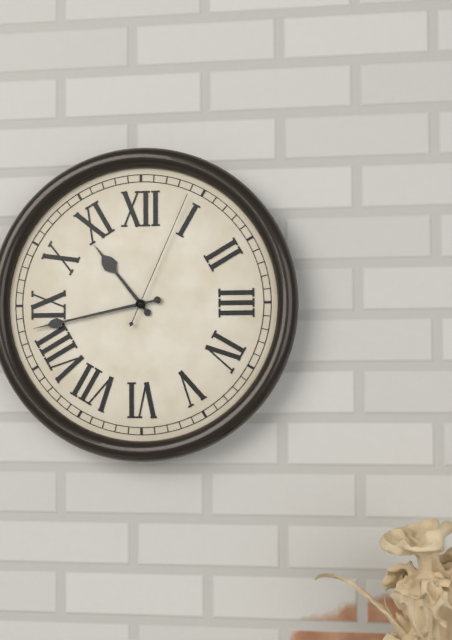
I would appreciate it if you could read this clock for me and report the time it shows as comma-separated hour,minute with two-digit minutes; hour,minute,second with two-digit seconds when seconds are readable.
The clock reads 10,43,04
